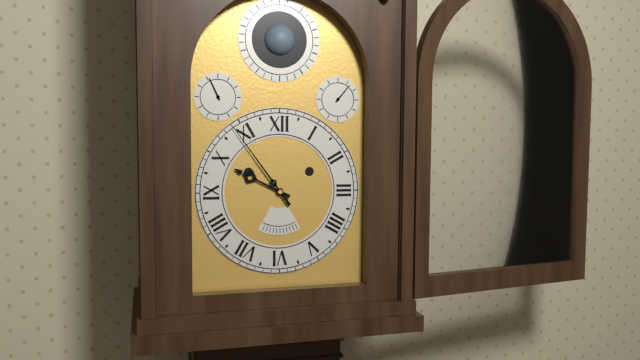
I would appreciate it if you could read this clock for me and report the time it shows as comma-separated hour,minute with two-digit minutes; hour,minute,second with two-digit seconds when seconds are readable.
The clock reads 9,54
